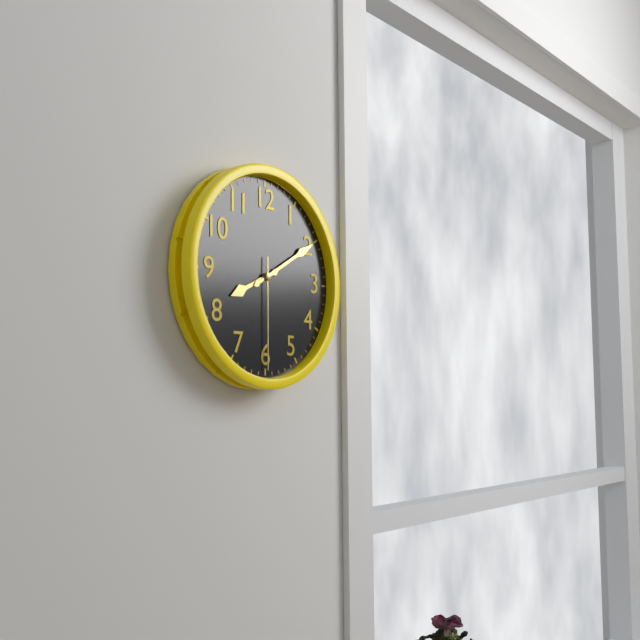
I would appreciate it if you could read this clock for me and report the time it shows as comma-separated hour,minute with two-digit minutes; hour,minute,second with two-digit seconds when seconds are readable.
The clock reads 8,10,30
